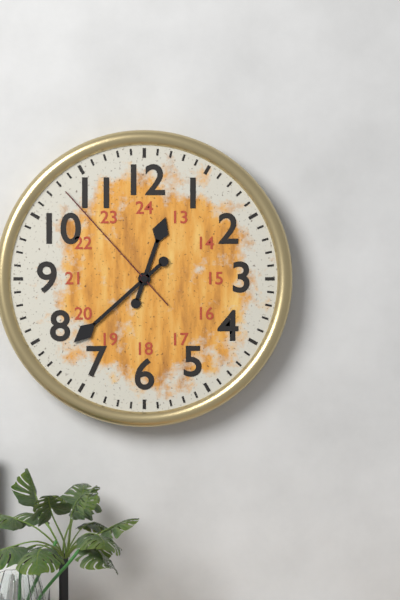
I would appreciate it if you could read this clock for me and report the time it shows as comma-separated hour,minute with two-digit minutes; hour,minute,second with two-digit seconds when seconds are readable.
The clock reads 12,38,53
